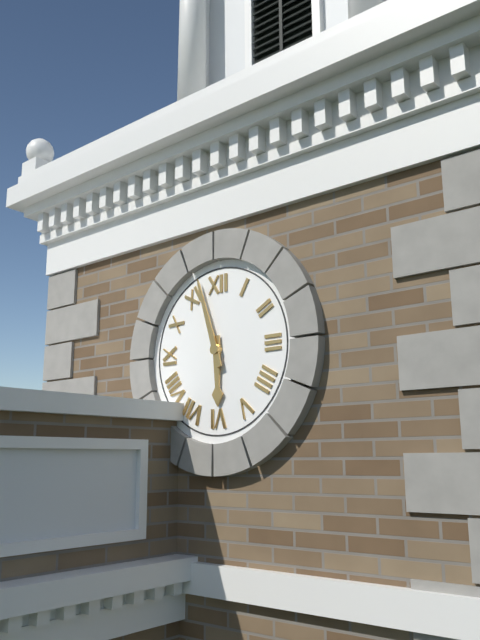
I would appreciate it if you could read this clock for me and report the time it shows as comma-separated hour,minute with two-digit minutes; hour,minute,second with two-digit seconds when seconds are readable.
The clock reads 5,57
